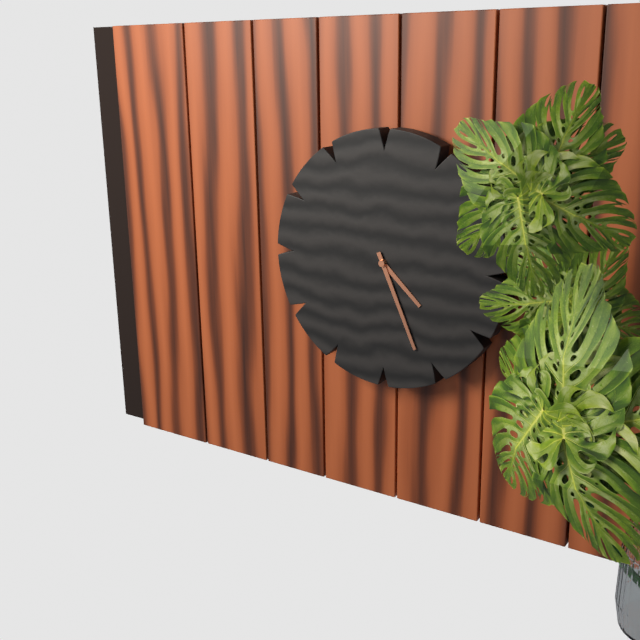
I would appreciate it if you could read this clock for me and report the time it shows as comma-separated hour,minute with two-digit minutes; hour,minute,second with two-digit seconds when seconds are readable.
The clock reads 4,26
